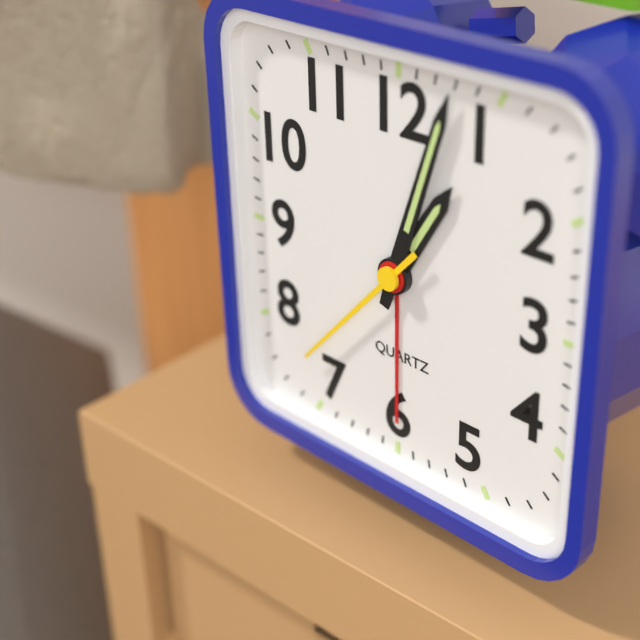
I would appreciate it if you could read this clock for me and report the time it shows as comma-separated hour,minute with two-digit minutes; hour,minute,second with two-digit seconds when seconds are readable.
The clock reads 1,03,37
